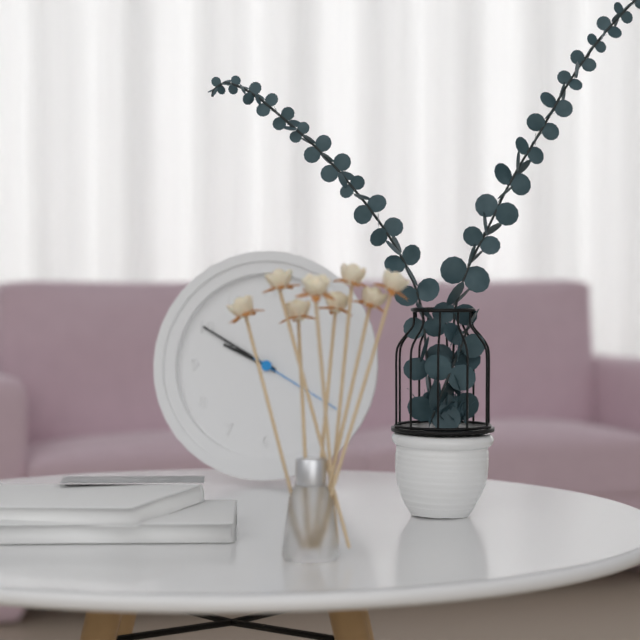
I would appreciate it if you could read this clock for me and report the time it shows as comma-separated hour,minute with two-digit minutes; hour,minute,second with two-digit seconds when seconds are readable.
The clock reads 9,50
